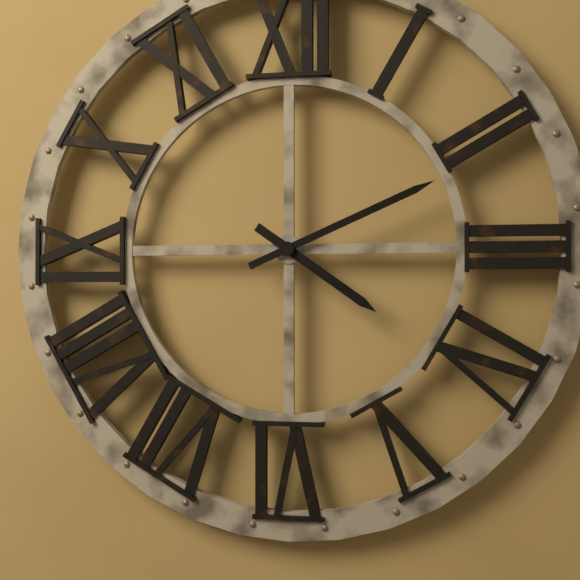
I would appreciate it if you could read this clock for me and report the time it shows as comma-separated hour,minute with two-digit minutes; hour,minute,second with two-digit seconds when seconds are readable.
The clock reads 4,11
